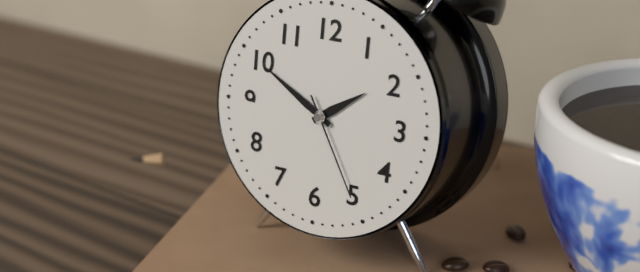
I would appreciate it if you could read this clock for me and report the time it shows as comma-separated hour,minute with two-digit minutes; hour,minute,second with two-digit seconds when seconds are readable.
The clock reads 1,50,25
